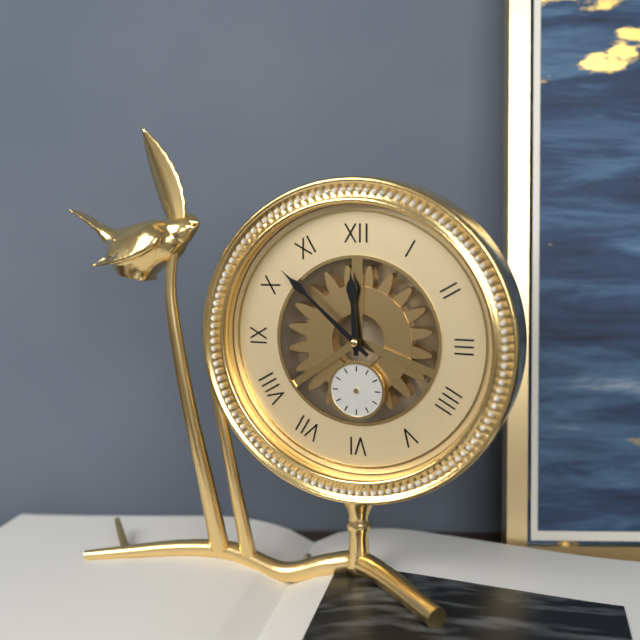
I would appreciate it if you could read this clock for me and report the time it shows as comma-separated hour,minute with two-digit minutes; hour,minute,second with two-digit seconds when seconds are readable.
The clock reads 11,52
